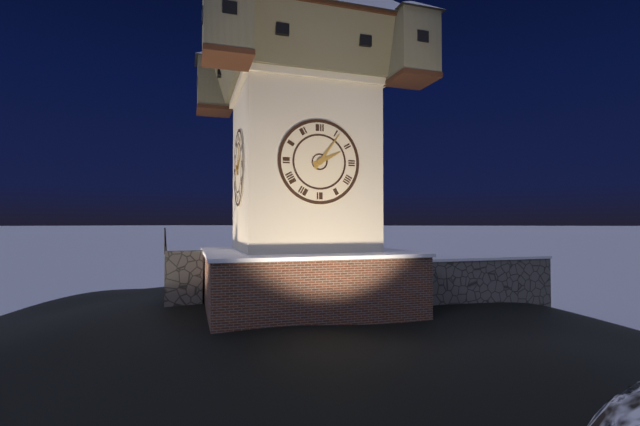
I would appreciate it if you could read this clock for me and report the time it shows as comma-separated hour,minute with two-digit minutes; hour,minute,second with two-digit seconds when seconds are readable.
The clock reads 2,06
